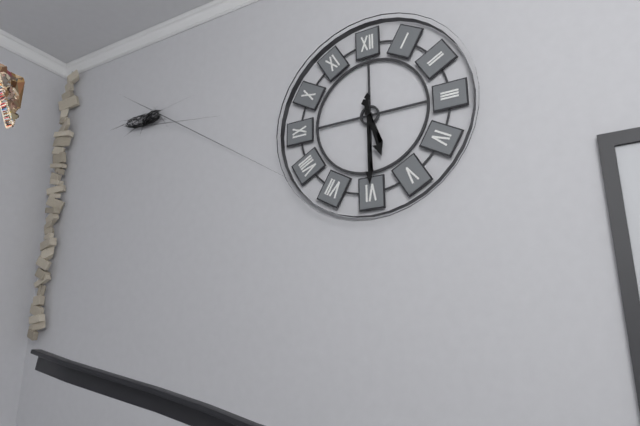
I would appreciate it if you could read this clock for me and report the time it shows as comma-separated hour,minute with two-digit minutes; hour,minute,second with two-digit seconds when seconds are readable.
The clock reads 5,30
